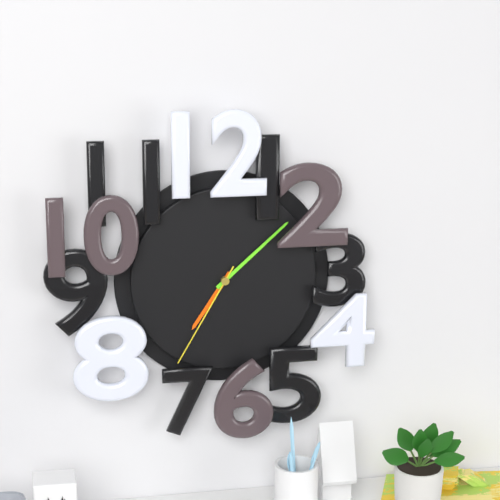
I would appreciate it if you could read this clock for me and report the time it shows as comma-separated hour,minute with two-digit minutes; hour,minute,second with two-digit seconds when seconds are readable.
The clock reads 7,08,35
